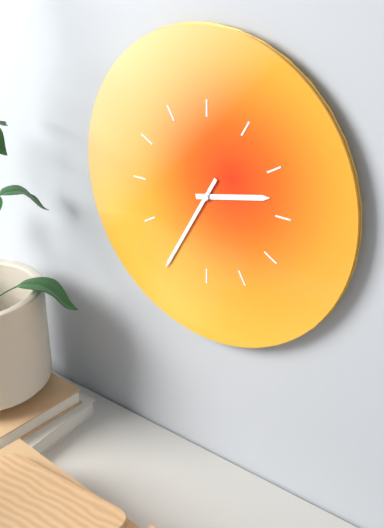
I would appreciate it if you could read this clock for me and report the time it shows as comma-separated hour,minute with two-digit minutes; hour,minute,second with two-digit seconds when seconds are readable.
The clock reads 2,35
